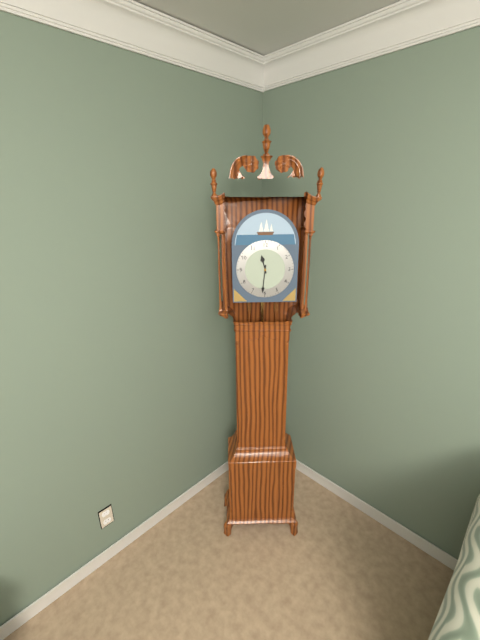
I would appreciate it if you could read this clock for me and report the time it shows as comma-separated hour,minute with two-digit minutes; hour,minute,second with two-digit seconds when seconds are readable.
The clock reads 11,31
